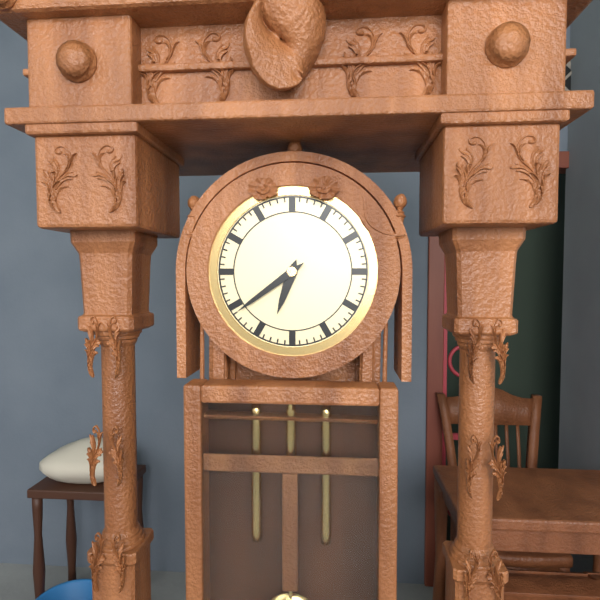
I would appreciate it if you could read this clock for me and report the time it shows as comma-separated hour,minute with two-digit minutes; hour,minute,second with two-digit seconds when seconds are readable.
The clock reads 6,39
